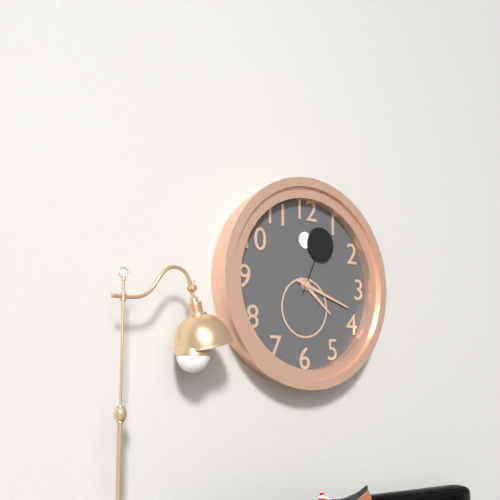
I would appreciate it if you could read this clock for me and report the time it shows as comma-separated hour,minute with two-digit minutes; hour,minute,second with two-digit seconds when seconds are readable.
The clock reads 4,18,04
